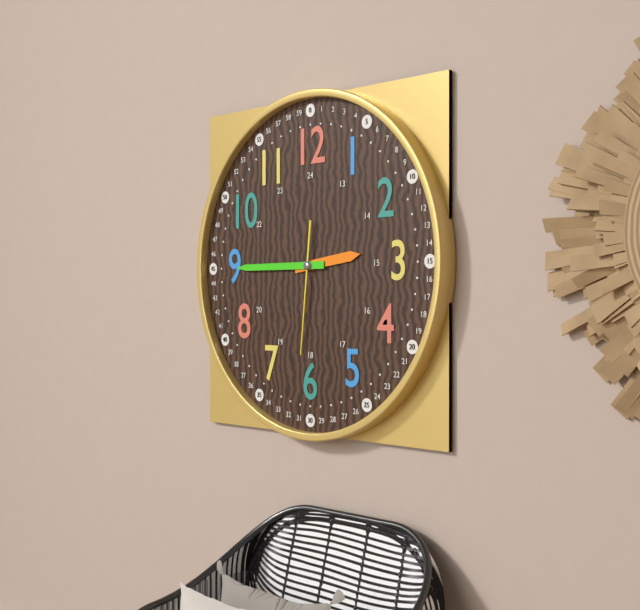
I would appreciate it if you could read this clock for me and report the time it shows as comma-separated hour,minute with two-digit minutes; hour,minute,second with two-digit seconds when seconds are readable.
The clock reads 2,45,31
